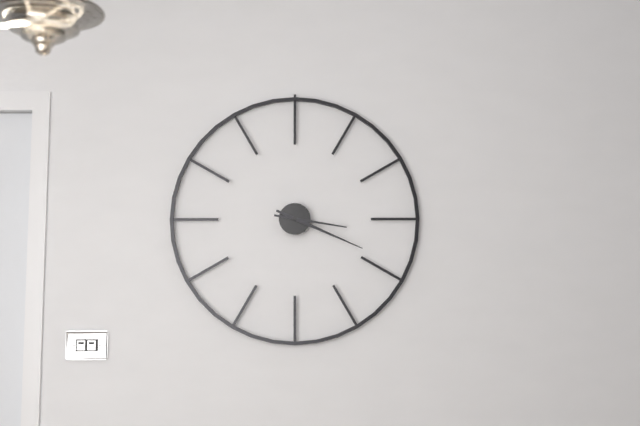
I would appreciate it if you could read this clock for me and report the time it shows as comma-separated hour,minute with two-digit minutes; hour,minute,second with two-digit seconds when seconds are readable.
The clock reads 3,19
